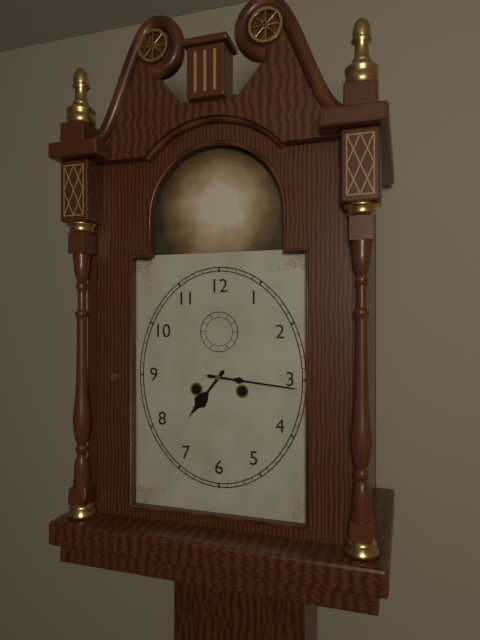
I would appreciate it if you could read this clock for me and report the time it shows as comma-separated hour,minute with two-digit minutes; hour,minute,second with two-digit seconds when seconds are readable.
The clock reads 7,16
